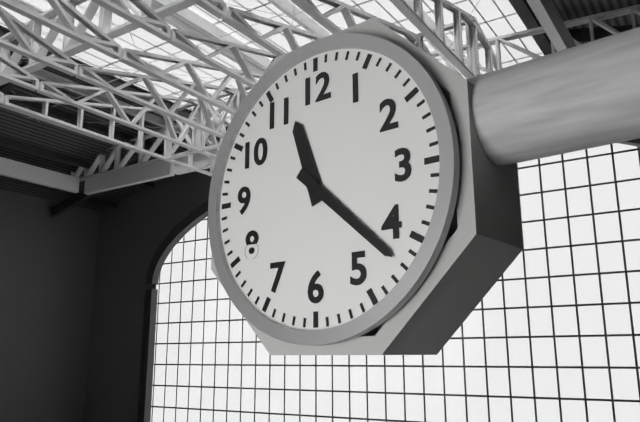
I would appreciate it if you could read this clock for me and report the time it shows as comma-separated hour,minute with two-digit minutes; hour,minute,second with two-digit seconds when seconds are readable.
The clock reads 11,22
